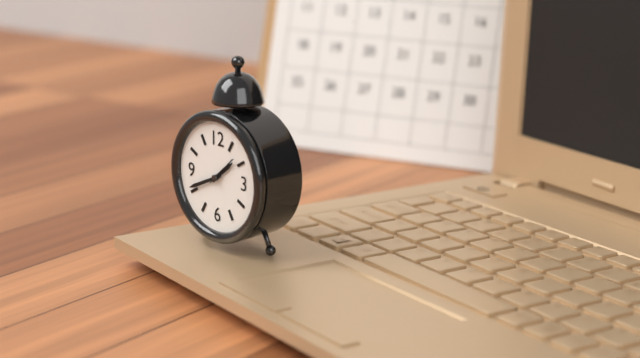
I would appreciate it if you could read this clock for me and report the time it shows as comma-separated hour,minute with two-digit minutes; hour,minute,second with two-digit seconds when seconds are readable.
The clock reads 1,41
